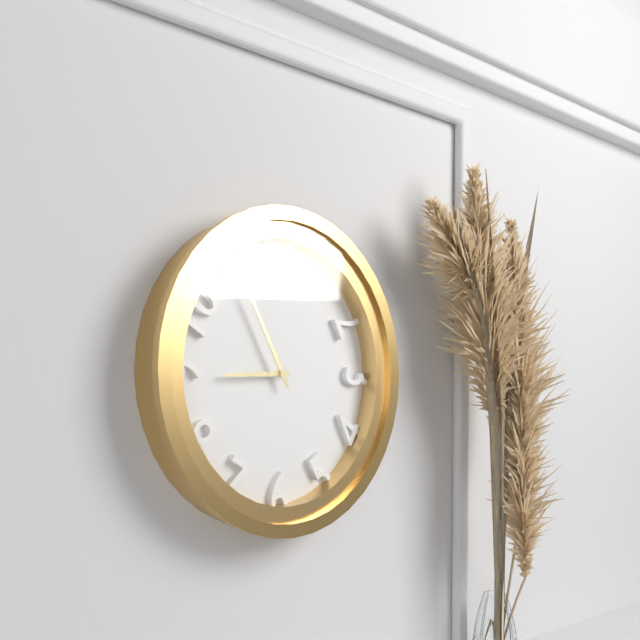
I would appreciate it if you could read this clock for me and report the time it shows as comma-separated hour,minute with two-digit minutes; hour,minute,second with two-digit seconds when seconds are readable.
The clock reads 8,55
